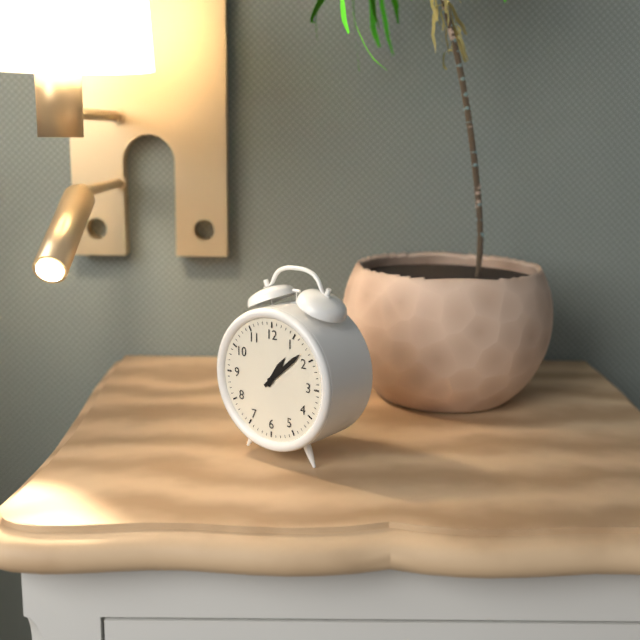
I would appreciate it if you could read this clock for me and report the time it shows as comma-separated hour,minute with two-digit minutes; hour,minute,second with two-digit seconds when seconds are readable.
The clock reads 1,08
